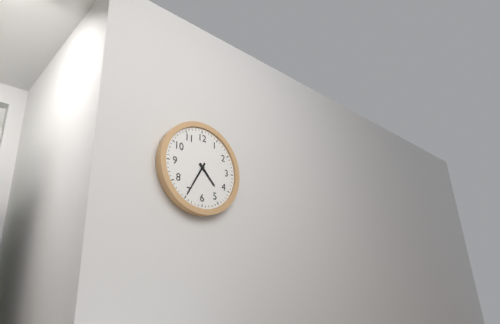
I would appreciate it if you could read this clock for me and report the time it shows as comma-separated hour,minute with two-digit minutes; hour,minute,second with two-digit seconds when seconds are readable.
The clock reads 4,35
